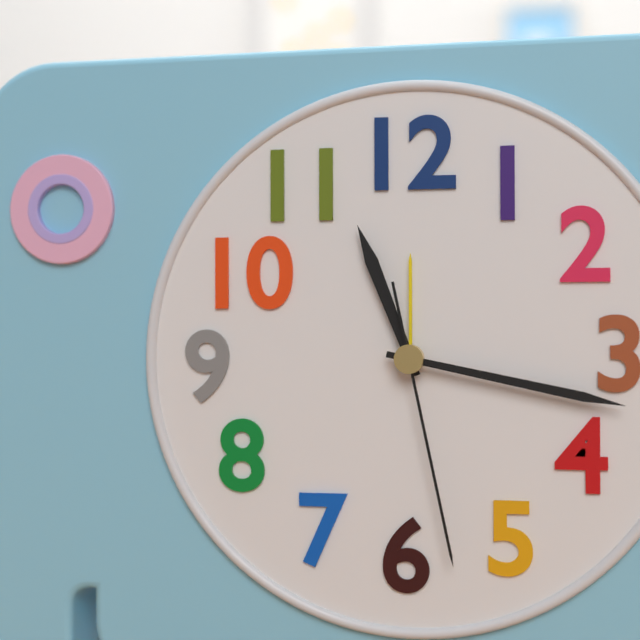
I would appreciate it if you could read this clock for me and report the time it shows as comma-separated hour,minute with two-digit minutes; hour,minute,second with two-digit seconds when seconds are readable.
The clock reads 11,17,28
